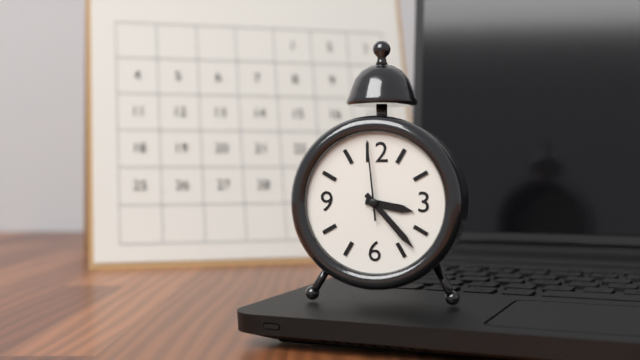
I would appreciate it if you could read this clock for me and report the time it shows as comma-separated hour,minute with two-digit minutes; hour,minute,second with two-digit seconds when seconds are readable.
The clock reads 3,23,59
